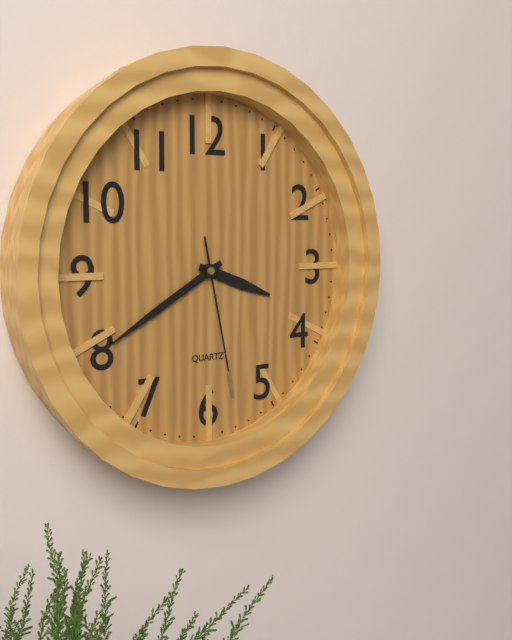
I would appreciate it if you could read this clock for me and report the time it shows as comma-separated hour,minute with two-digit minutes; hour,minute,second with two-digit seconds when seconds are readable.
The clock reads 3,40,28
